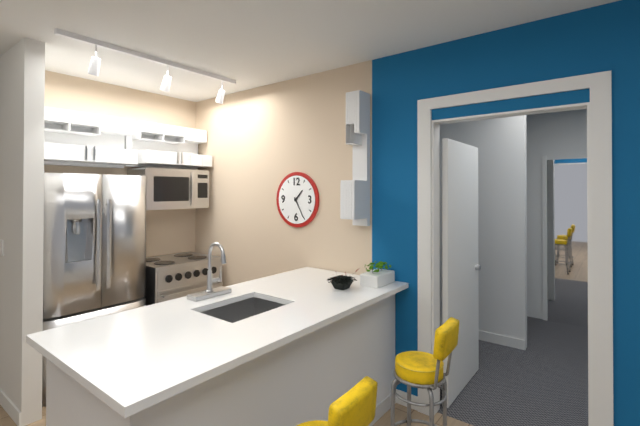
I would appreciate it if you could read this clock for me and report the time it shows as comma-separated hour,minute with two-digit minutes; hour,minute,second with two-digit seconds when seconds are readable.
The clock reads 1,25
